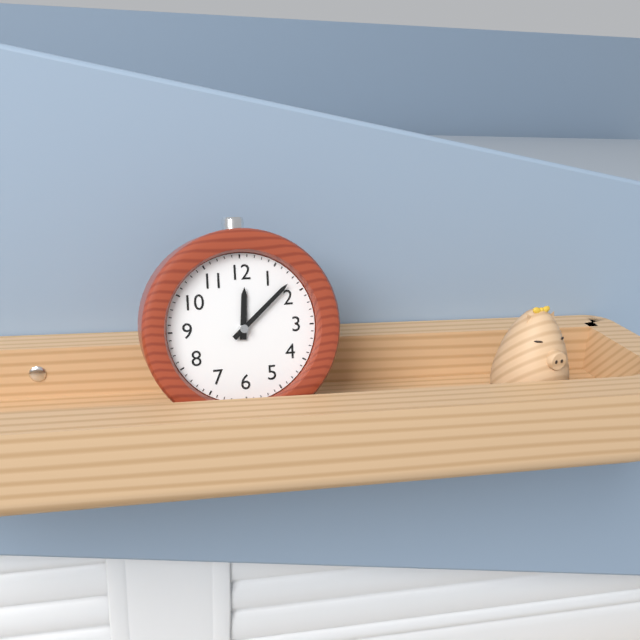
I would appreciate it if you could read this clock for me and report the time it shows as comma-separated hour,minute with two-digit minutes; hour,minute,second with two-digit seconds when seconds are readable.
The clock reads 12,08
